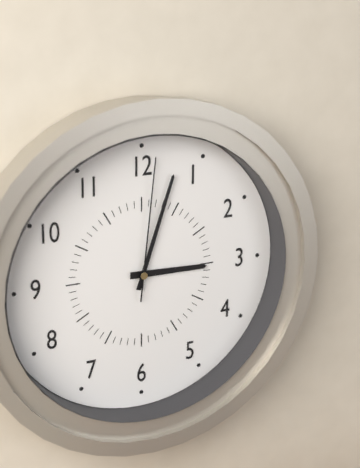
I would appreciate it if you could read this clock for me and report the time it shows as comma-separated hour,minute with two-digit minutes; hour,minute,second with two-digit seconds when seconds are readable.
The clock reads 3,03,01
